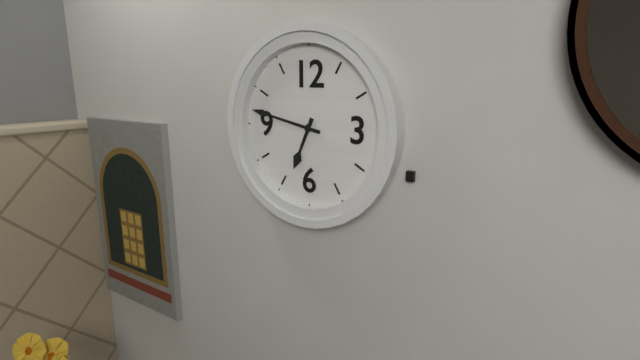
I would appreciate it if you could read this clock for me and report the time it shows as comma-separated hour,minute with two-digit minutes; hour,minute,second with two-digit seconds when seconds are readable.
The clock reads 6,47
